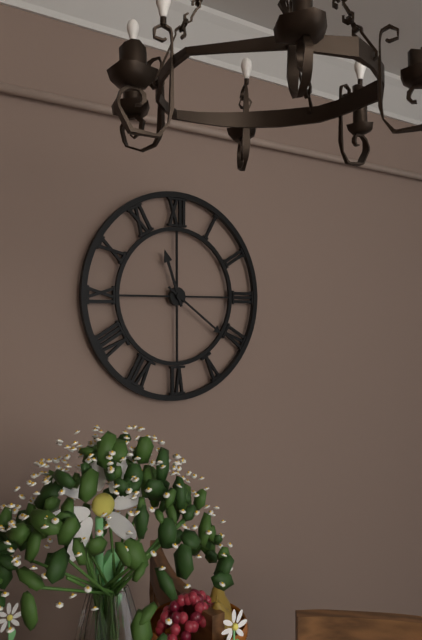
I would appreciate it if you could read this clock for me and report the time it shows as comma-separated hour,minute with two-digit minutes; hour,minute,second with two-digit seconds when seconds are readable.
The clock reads 11,21
